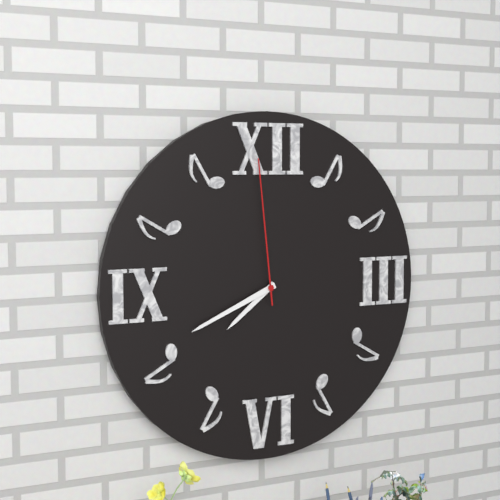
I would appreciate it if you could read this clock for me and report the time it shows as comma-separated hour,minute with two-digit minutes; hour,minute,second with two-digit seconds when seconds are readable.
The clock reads 7,41,59
